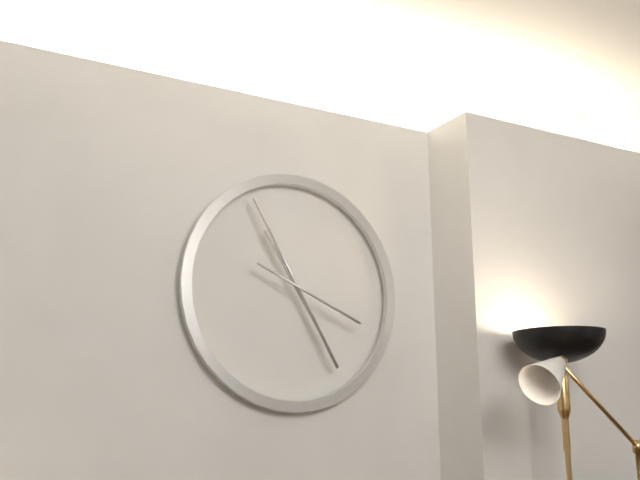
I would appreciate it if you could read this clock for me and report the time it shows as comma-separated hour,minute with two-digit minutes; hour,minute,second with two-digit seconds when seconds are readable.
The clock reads 10,55,19
